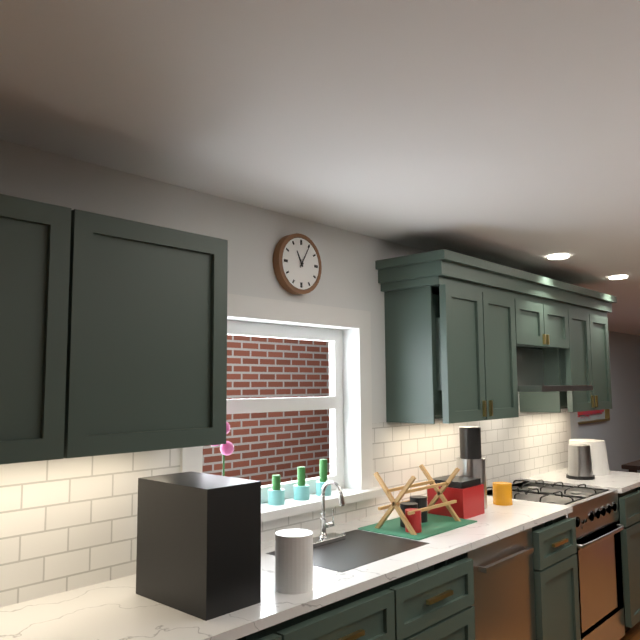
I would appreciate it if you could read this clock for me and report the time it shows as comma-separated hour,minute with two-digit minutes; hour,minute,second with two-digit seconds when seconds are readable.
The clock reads 11,05
